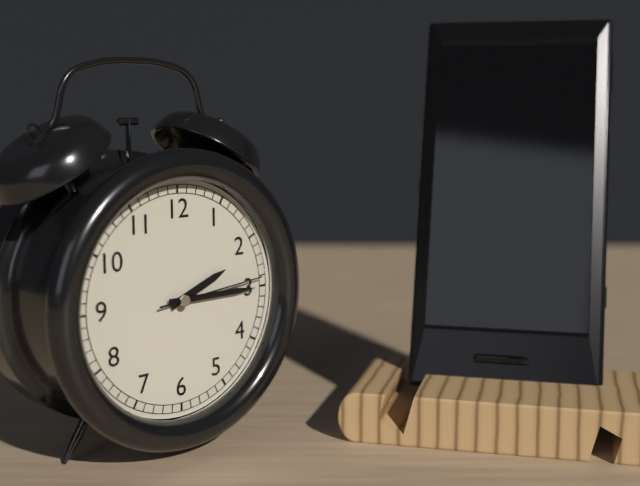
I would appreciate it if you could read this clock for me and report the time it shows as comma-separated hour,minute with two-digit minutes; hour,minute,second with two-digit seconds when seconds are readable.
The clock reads 2,15,14
